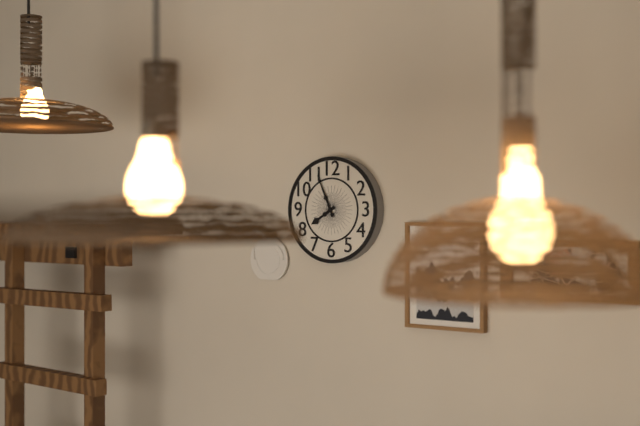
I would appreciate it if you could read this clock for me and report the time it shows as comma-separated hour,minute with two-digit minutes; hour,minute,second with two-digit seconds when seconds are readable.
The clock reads 7,56
